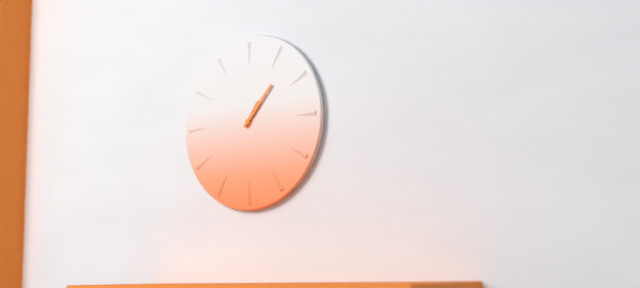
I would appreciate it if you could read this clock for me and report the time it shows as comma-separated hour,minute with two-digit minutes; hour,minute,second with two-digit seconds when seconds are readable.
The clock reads 1,07
